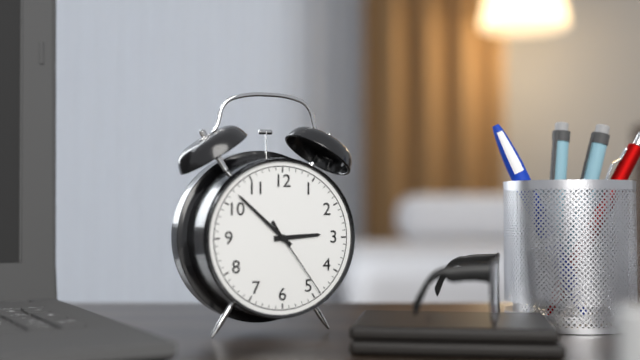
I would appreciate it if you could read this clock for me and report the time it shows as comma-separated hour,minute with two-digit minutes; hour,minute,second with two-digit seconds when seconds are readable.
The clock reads 2,52,24
